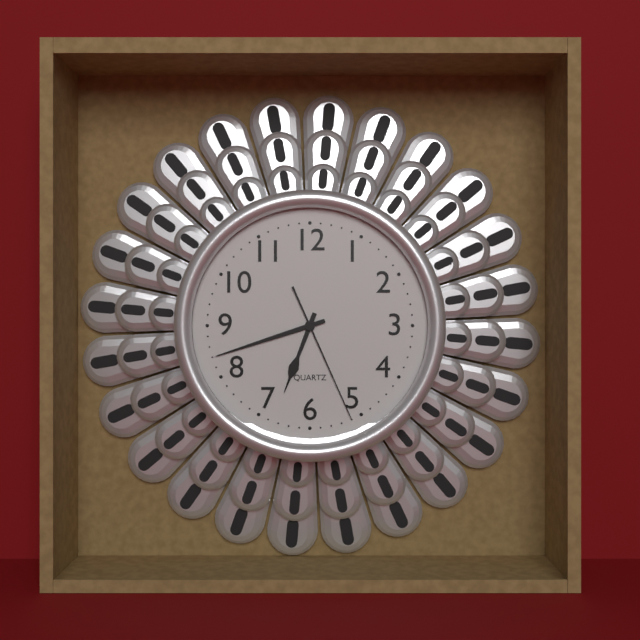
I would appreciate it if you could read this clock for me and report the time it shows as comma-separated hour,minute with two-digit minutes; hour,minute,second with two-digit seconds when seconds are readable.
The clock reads 6,42,26
